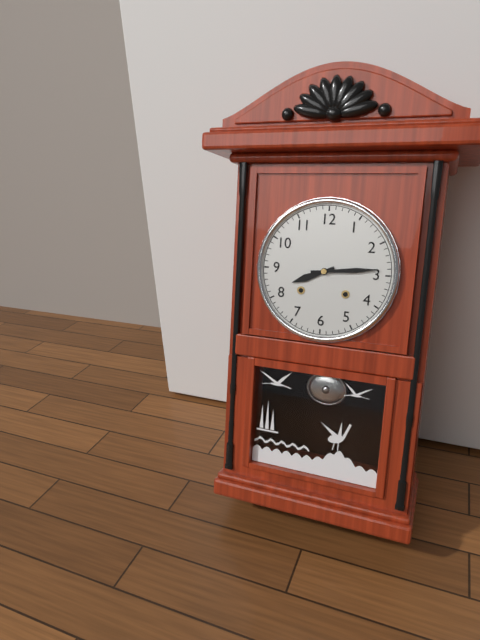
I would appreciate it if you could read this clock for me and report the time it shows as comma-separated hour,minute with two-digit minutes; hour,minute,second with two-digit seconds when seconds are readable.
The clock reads 8,14
